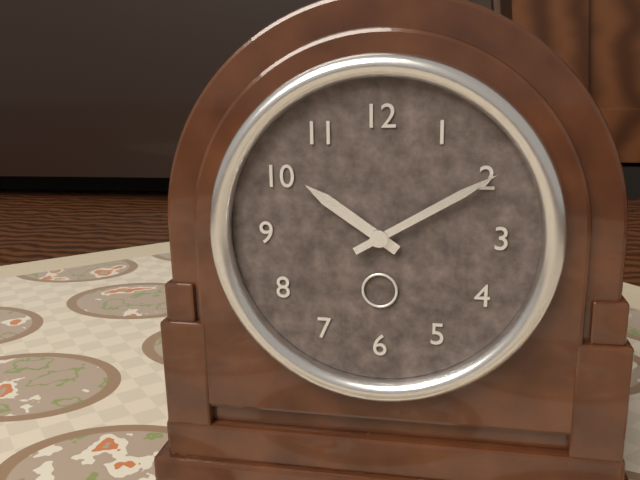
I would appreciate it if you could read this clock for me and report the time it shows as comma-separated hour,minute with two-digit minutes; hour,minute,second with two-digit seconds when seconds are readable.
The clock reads 10,10
